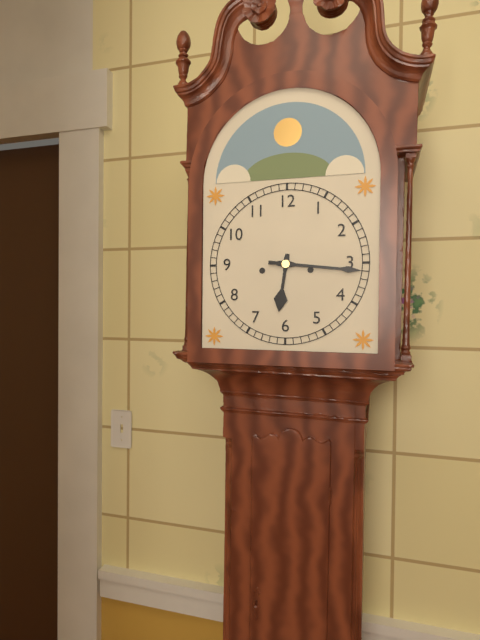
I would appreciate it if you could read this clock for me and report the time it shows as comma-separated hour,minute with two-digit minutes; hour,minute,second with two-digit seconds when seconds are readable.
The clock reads 6,16
